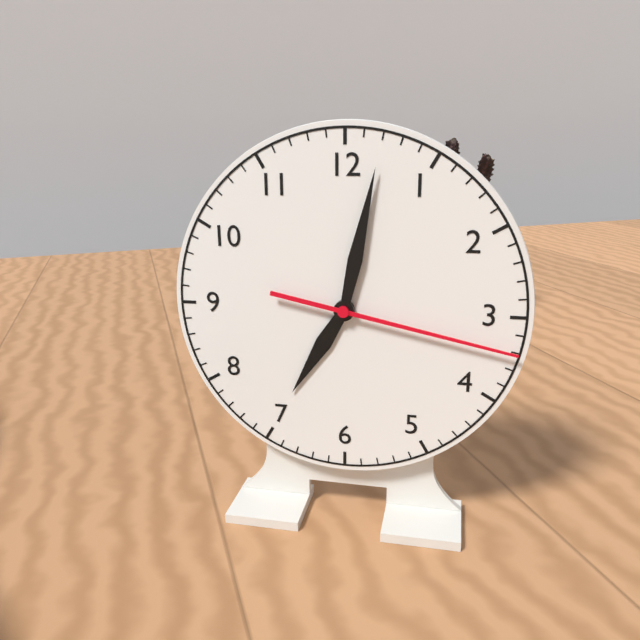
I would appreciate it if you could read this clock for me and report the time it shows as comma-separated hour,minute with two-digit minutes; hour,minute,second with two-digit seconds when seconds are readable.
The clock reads 7,02,17
